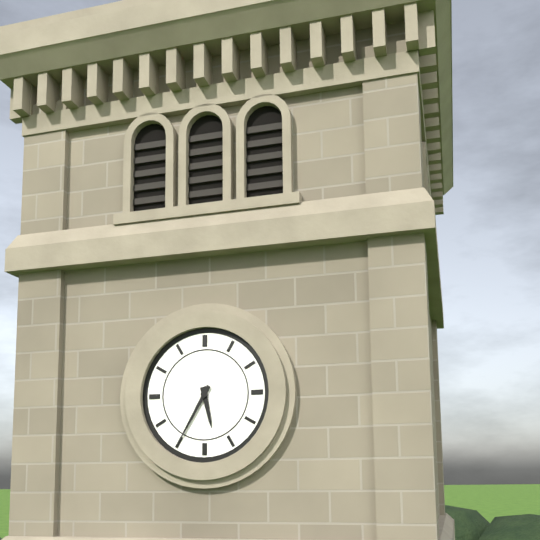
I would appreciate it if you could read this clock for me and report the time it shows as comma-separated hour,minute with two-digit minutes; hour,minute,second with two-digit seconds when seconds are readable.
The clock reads 5,35
